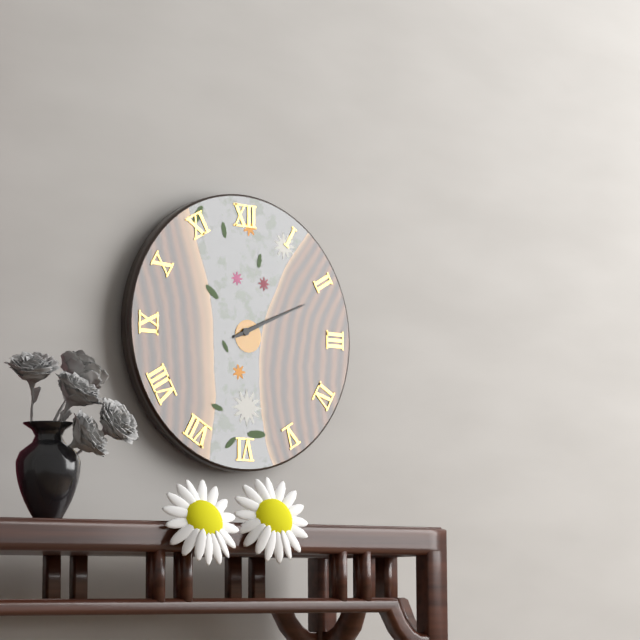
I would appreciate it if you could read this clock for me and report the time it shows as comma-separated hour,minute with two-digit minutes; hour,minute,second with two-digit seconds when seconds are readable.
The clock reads 2,11
